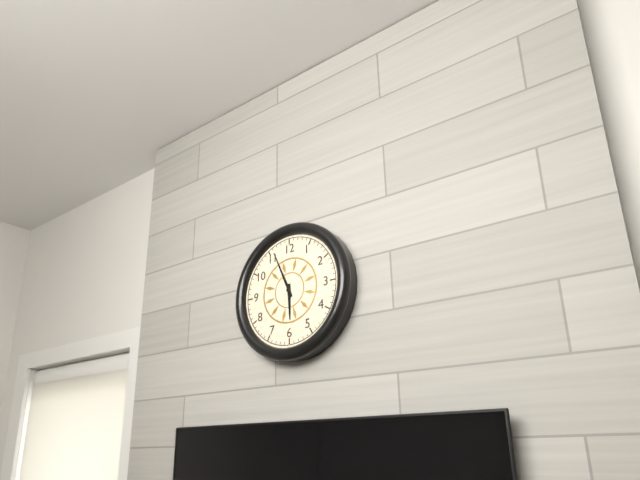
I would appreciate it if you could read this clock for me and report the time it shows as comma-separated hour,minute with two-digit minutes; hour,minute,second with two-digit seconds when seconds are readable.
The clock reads 5,56
